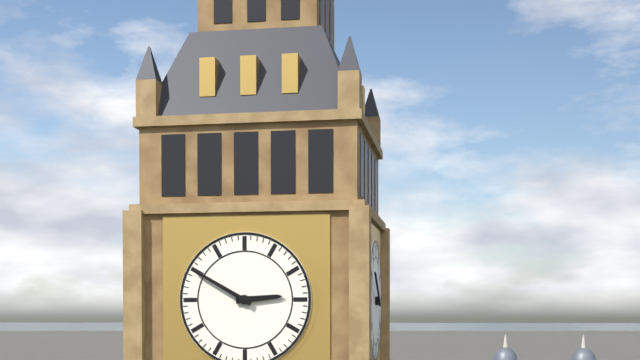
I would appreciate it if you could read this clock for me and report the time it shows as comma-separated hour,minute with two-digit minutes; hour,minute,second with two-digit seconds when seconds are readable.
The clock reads 2,50
